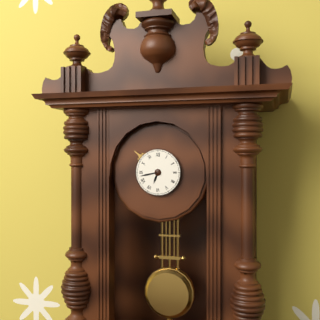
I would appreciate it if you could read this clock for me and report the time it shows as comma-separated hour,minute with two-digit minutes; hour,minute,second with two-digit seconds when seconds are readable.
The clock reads 6,43
